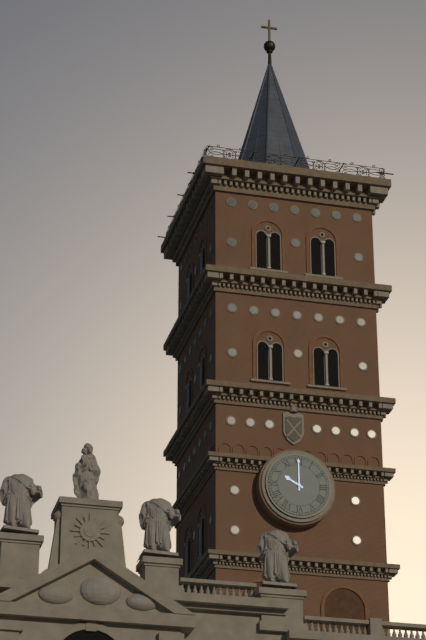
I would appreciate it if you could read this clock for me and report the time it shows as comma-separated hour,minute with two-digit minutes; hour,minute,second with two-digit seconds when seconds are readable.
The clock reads 10,00
